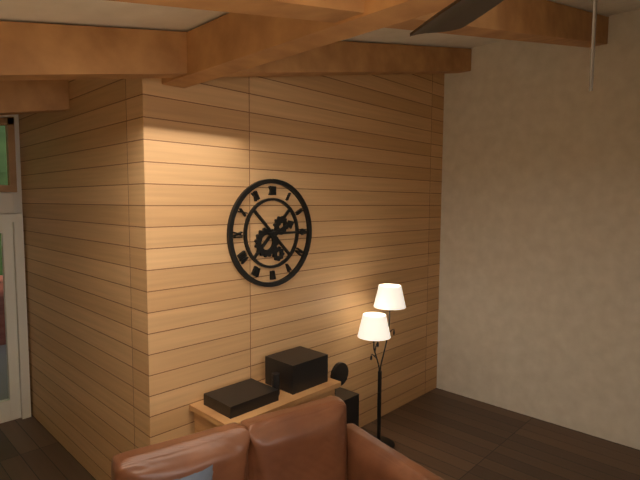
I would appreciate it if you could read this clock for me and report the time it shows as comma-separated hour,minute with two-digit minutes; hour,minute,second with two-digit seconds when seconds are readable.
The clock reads 2,15
